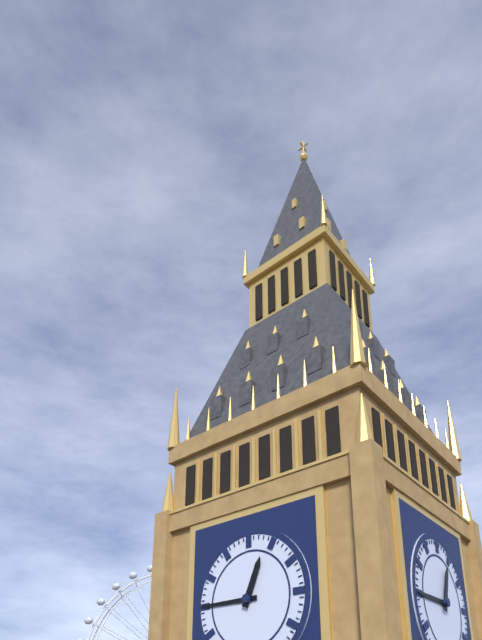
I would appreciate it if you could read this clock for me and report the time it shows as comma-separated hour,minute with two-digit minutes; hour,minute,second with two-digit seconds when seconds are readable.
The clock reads 12,45
